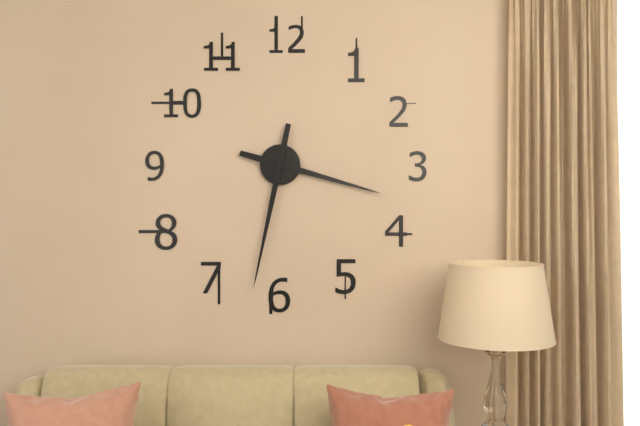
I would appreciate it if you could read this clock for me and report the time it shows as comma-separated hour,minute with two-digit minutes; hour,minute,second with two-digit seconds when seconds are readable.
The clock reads 3,32
